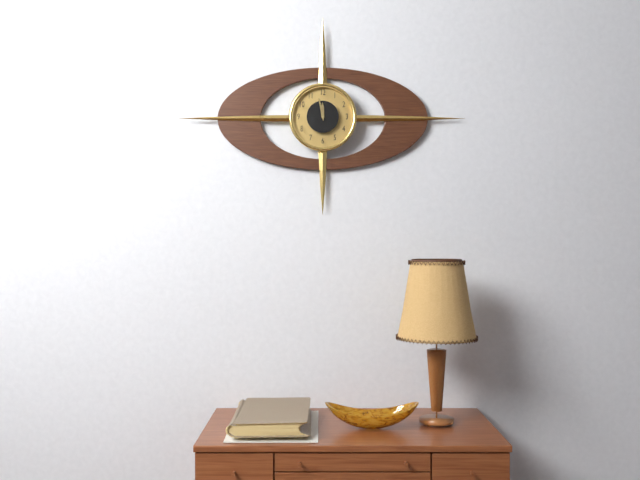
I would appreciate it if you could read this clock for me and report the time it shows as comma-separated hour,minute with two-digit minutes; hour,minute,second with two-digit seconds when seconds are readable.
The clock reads 11,58
